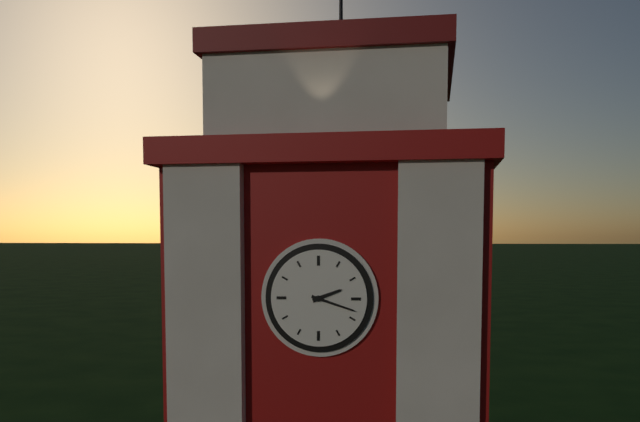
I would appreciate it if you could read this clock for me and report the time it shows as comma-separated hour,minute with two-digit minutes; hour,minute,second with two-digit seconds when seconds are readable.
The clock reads 2,18
